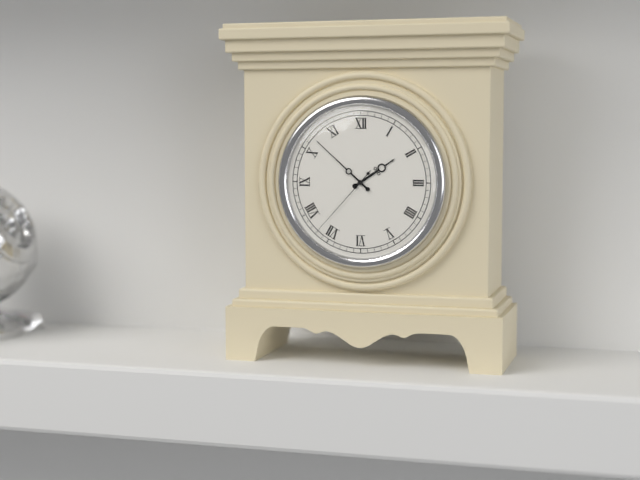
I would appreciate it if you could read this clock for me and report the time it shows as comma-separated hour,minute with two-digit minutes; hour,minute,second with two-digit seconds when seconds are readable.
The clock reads 1,52,37
